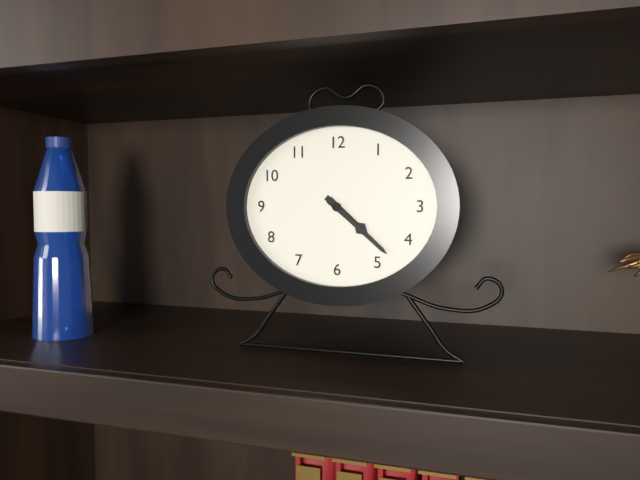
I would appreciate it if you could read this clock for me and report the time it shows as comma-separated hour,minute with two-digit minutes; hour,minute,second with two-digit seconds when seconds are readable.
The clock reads 4,22
